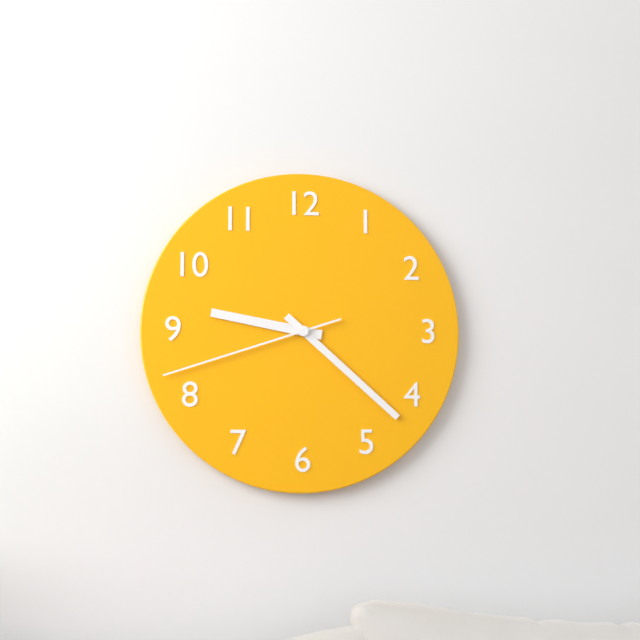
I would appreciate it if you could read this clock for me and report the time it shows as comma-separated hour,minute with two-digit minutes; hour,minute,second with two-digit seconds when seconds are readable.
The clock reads 9,22,42
